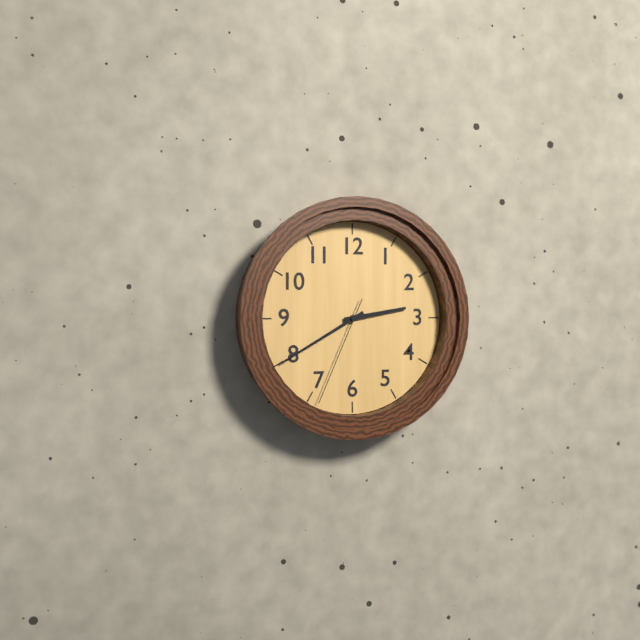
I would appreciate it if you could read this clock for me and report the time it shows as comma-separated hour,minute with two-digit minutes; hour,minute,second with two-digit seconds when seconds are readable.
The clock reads 2,40,34
